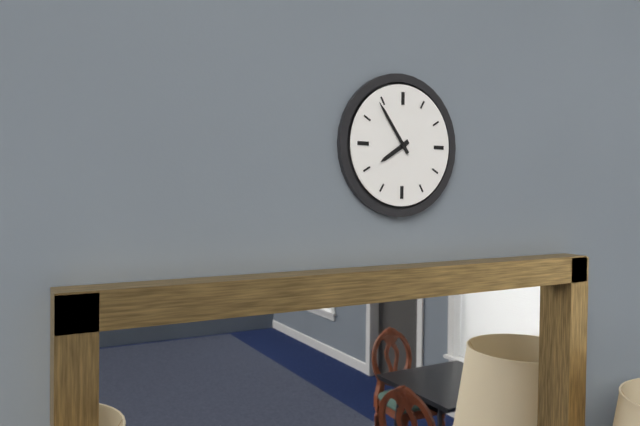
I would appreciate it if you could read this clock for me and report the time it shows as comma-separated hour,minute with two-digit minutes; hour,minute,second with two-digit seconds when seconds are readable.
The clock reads 7,54
